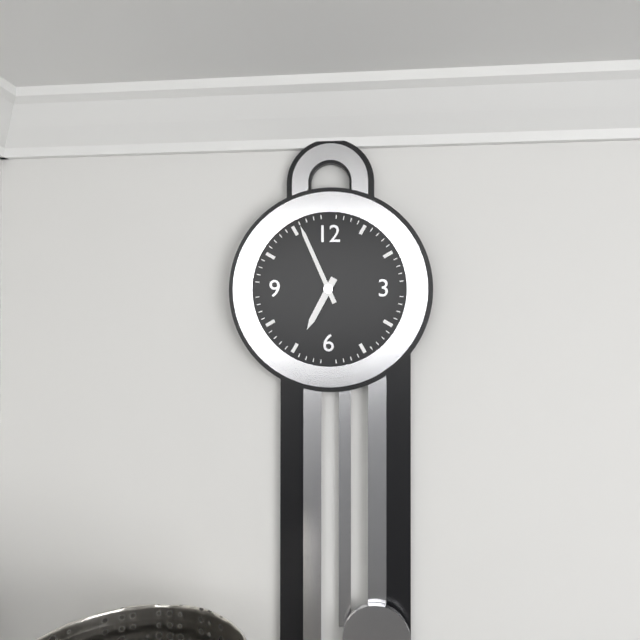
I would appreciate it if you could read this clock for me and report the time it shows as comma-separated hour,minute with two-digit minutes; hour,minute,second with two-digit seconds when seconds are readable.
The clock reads 6,56
